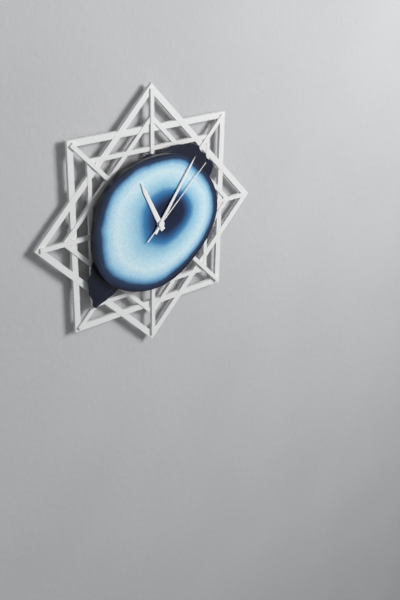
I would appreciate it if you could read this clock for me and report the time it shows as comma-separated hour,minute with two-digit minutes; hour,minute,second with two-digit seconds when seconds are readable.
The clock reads 11,06,08
